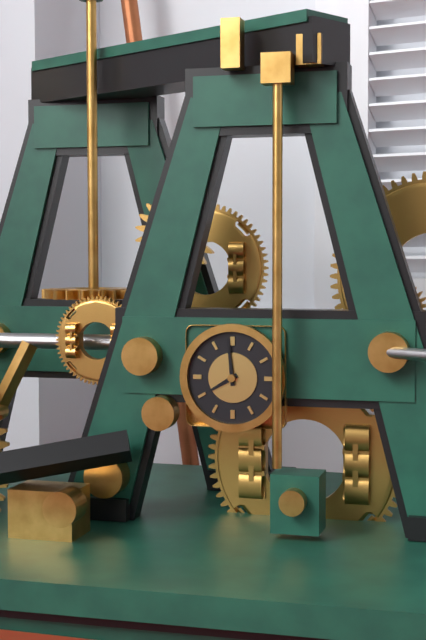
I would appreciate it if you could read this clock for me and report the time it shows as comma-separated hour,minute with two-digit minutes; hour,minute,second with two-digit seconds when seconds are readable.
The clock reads 7,59
